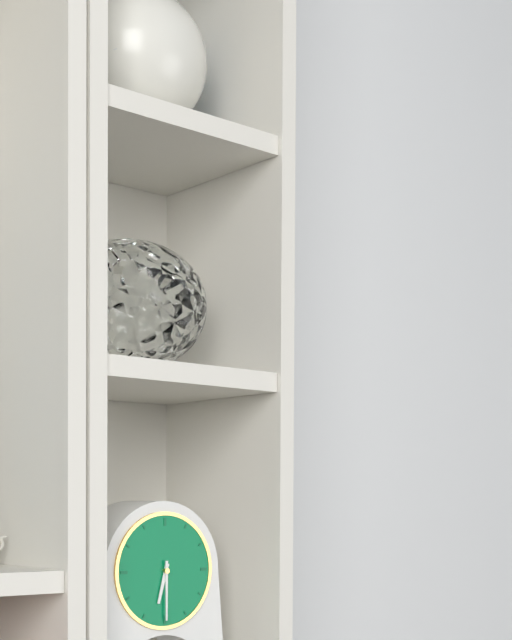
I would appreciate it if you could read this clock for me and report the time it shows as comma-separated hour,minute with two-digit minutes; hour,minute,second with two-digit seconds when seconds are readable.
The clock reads 6,30
